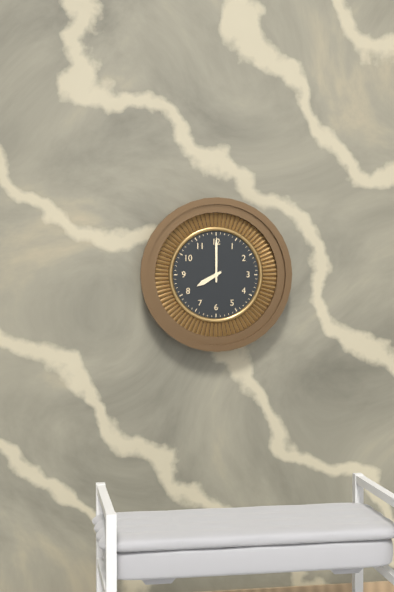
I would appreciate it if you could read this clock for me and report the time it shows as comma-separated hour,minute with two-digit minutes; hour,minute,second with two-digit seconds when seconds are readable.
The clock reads 8,00
